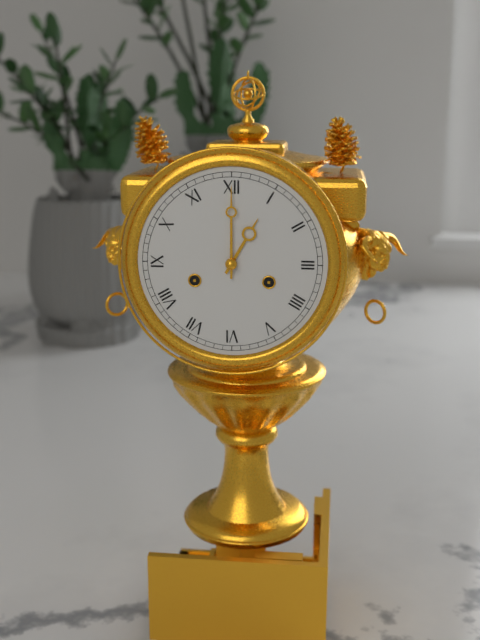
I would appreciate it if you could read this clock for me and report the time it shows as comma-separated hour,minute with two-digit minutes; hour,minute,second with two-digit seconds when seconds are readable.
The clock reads 1,00
